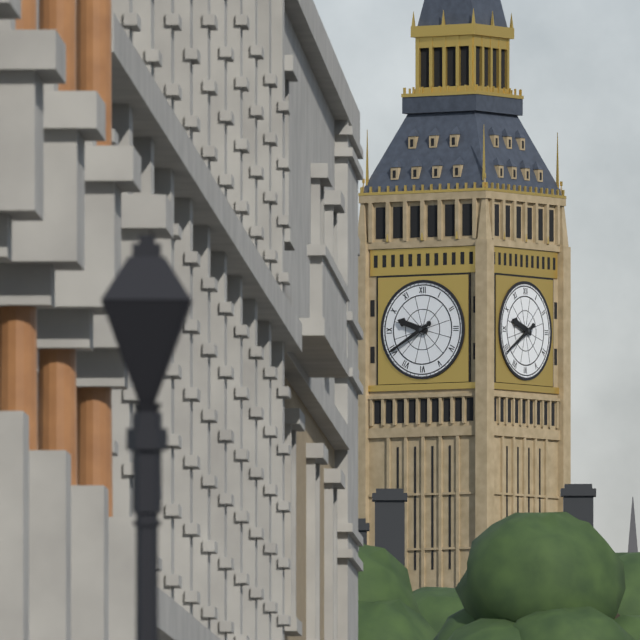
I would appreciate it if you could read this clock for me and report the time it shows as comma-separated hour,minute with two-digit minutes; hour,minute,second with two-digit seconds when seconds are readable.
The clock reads 9,40
